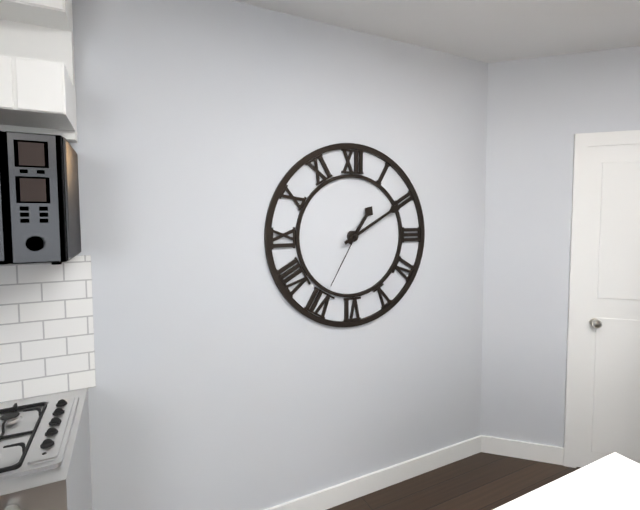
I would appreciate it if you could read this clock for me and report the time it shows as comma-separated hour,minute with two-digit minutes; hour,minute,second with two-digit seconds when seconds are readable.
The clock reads 1,10,35
